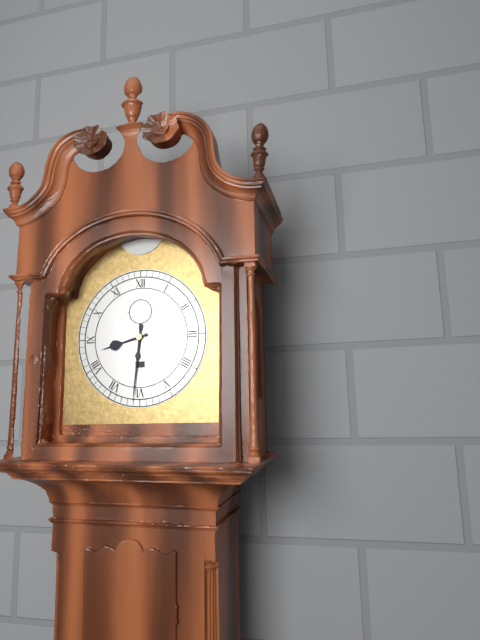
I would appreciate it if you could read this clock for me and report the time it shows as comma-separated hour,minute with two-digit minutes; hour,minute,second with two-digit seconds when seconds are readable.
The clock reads 8,31
